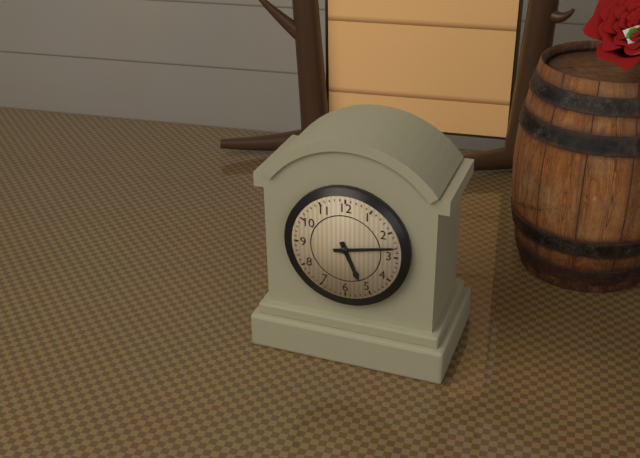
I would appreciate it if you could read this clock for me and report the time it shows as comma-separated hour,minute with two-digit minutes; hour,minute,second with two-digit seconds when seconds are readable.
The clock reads 5,13
